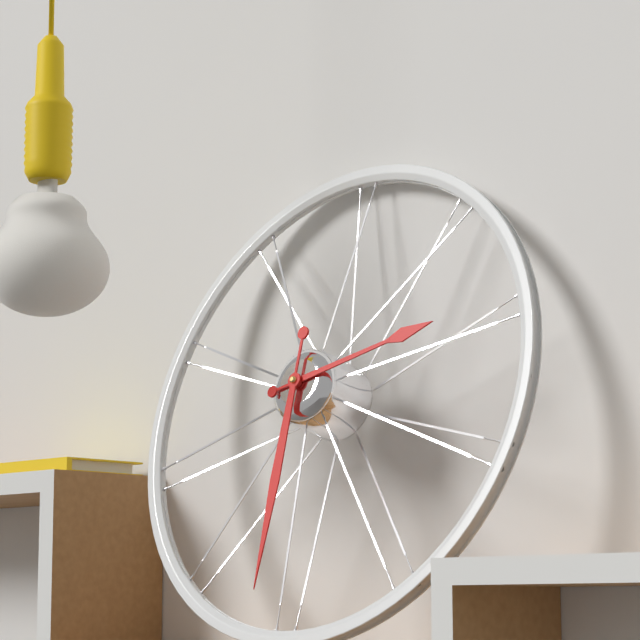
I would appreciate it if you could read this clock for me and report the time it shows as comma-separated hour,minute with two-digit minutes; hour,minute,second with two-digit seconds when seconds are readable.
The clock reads 2,30
